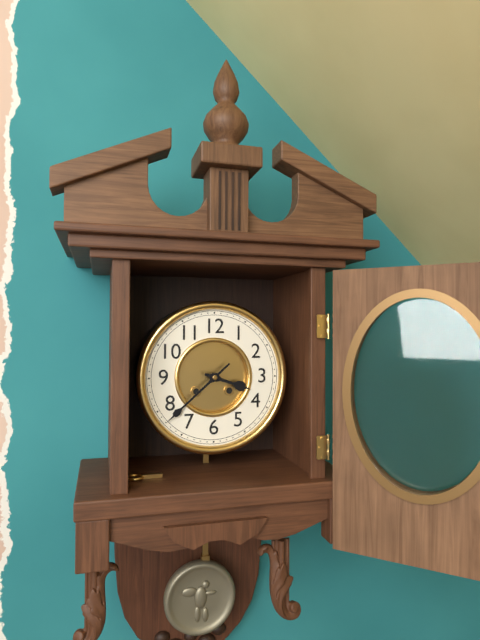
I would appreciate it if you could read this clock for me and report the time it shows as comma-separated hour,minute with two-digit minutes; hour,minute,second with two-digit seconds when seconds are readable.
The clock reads 3,38
